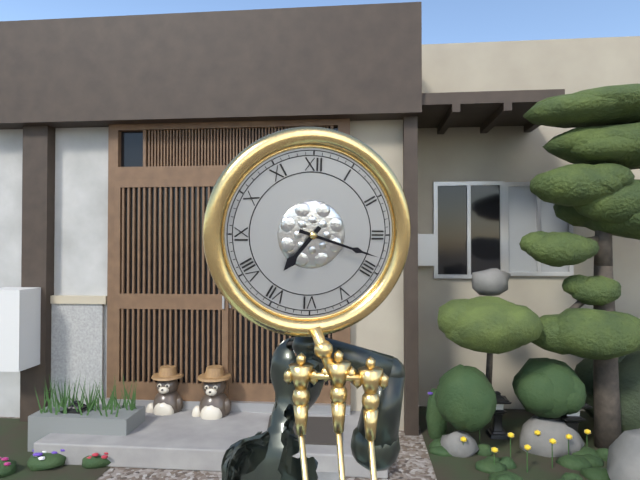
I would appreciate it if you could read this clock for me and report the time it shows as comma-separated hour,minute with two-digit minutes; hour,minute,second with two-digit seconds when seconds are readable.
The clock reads 7,18
